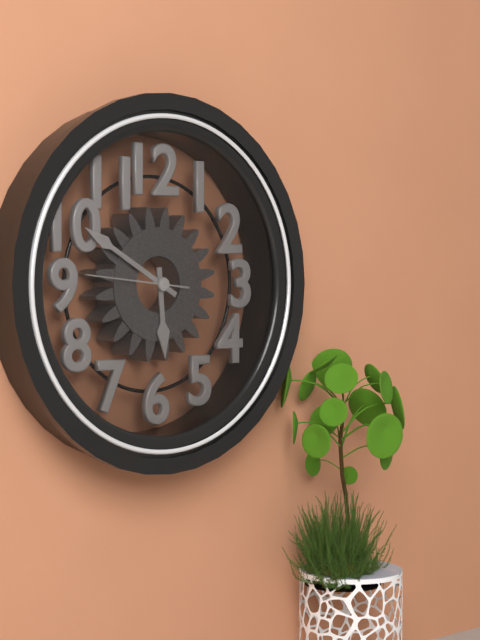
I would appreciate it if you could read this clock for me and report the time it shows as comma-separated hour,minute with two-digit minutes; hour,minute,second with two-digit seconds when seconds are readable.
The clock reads 5,50,46
